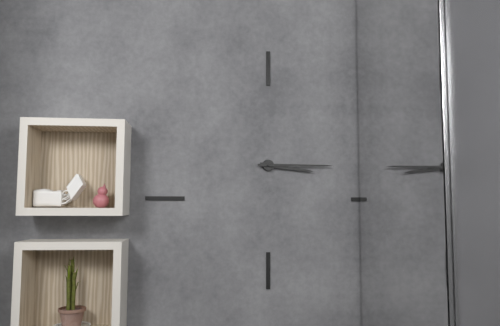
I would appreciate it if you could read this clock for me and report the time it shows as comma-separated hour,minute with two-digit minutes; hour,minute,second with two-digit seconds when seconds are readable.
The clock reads 3,15
